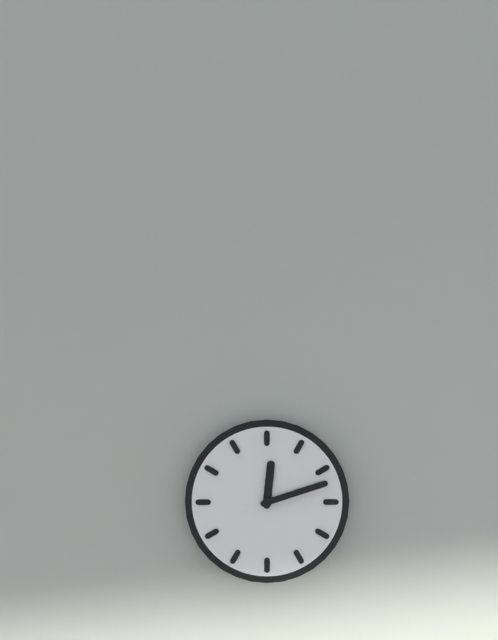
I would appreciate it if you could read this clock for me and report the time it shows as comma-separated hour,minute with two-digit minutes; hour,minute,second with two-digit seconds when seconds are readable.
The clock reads 12,12
